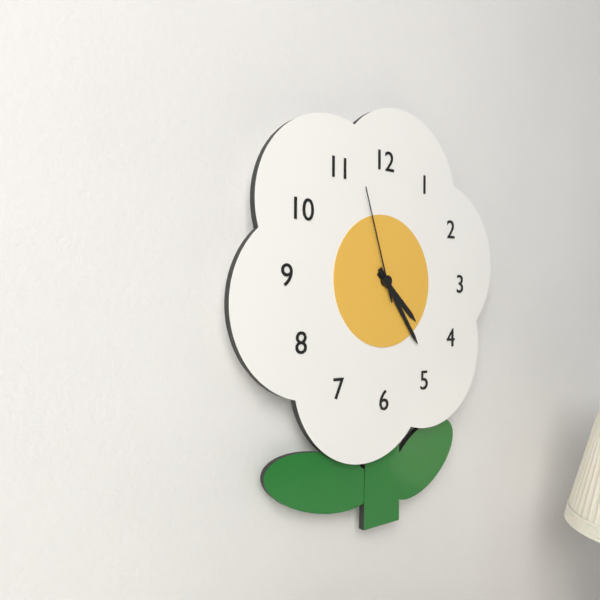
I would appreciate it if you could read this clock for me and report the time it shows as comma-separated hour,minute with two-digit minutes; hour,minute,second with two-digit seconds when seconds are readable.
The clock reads 4,24,57
